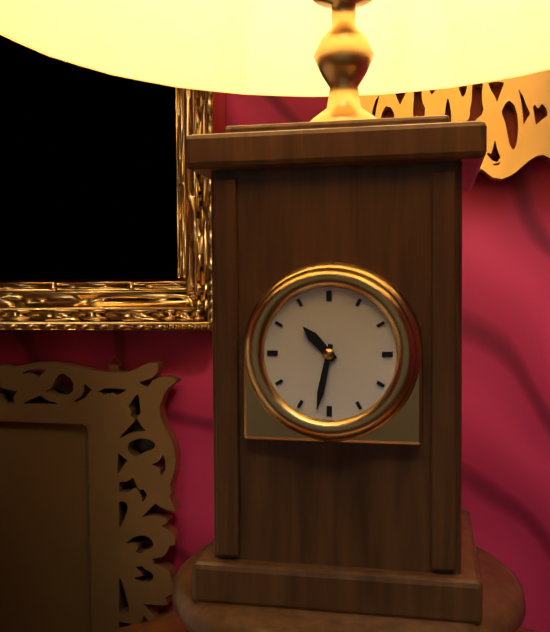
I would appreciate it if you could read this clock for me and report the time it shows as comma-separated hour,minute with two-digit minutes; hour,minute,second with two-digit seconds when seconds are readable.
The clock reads 10,32
